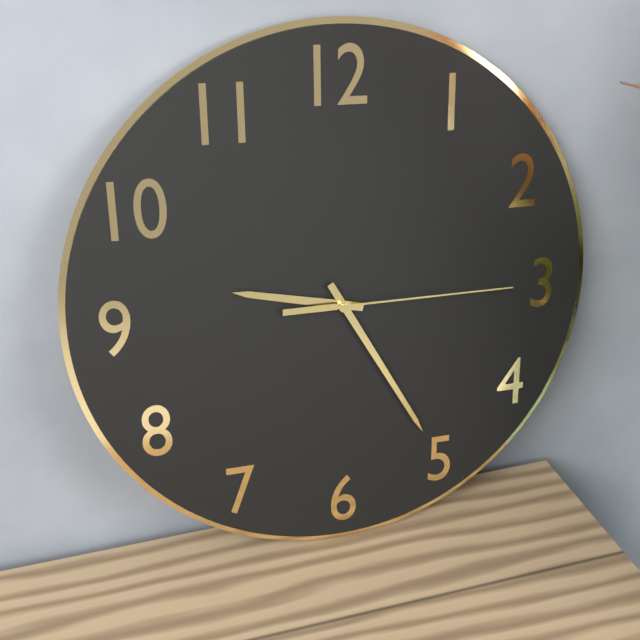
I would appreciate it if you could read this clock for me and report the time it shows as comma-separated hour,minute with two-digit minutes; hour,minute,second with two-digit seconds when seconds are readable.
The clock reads 9,25,15
